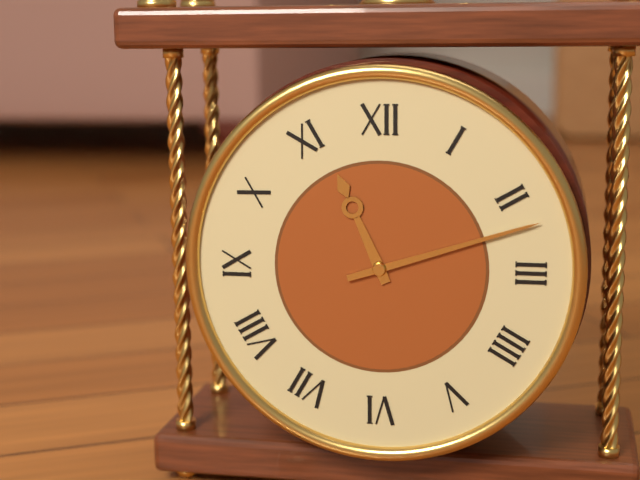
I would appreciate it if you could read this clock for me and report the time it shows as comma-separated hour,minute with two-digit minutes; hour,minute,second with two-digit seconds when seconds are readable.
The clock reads 11,12
